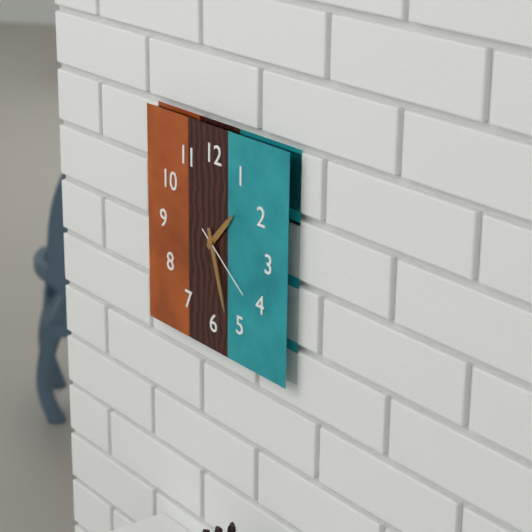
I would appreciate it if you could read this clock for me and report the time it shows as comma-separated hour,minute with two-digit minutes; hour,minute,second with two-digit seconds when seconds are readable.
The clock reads 1,27,21
